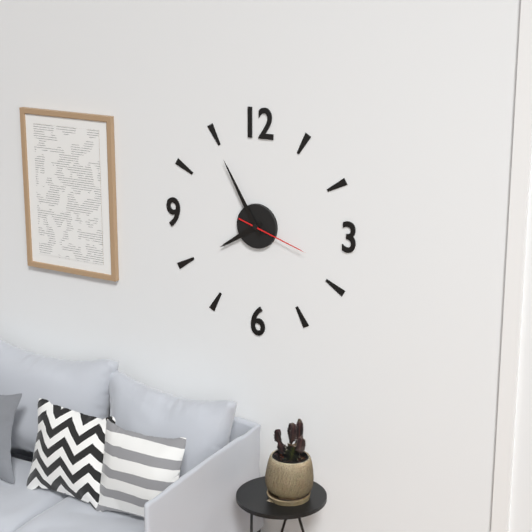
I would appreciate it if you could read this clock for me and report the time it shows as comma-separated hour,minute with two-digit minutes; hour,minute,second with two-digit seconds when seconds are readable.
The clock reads 7,55,18
